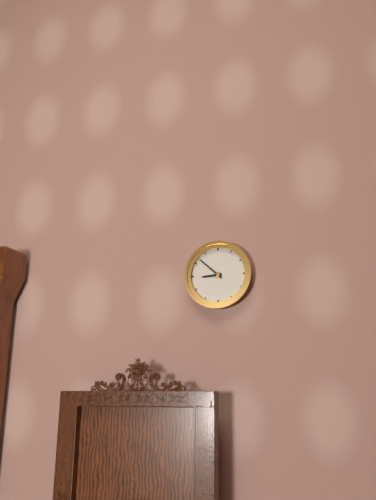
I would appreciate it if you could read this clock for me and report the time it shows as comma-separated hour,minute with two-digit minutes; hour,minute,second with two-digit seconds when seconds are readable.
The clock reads 8,52
